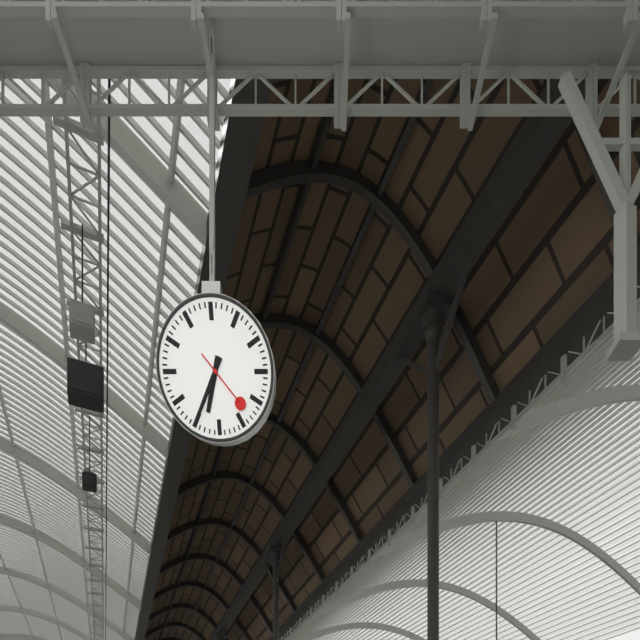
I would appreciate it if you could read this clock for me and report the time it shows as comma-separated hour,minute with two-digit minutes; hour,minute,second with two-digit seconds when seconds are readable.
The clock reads 6,35,23
